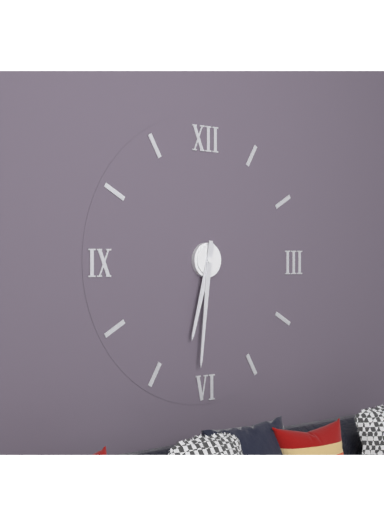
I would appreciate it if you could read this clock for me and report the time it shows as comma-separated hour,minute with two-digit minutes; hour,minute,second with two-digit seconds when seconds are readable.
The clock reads 6,31
